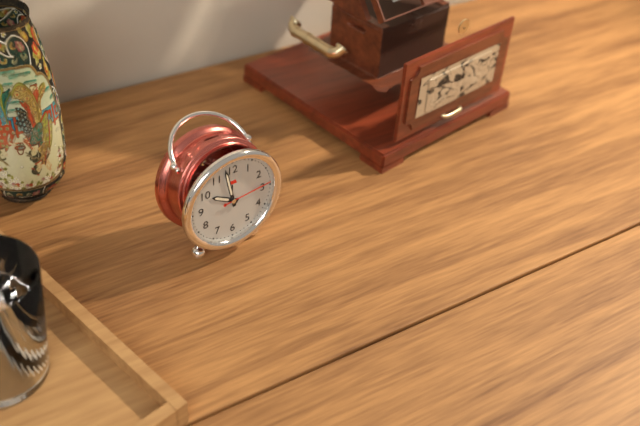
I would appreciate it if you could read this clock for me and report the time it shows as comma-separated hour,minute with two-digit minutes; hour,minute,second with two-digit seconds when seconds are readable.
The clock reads 9,58,14
